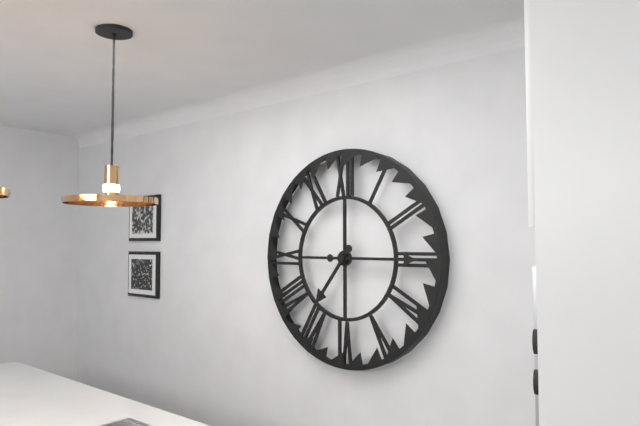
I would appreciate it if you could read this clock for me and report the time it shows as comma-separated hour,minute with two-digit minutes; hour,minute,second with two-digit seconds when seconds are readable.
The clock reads 7,15
